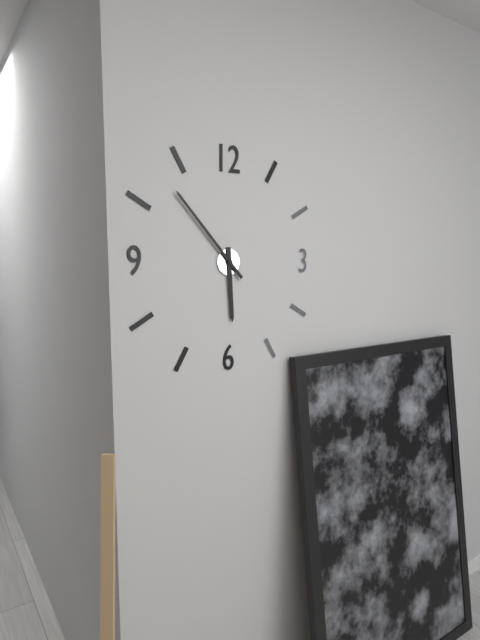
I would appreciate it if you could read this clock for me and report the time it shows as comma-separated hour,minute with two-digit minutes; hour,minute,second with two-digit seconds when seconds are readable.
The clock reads 5,53
